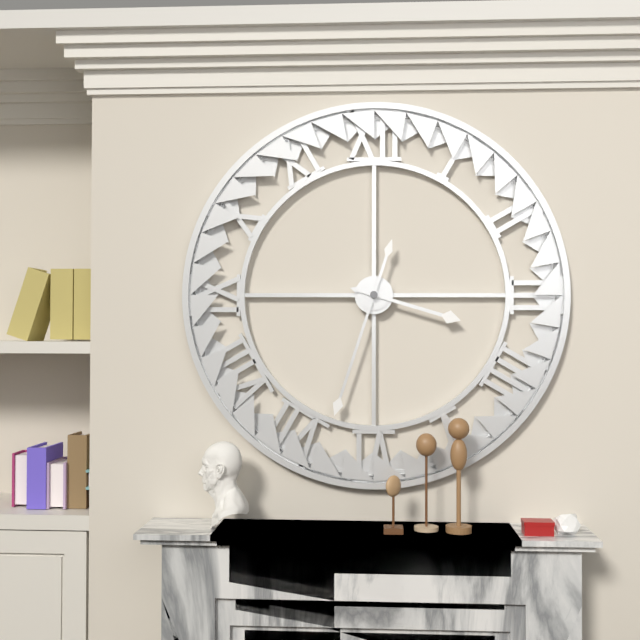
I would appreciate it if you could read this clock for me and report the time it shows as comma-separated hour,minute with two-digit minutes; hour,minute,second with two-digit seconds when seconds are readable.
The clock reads 3,33
